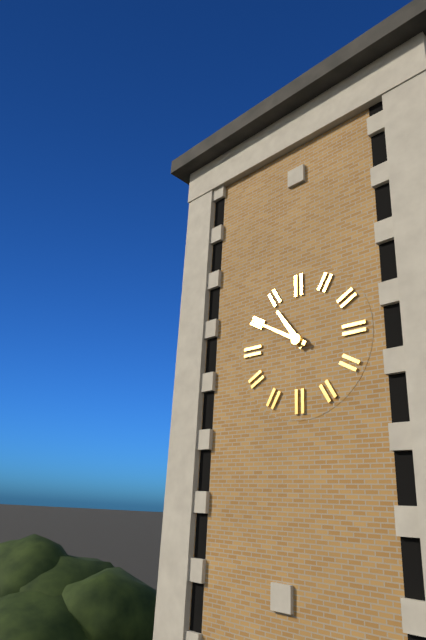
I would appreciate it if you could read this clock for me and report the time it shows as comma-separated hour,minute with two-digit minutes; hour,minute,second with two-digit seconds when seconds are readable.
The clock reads 10,50
